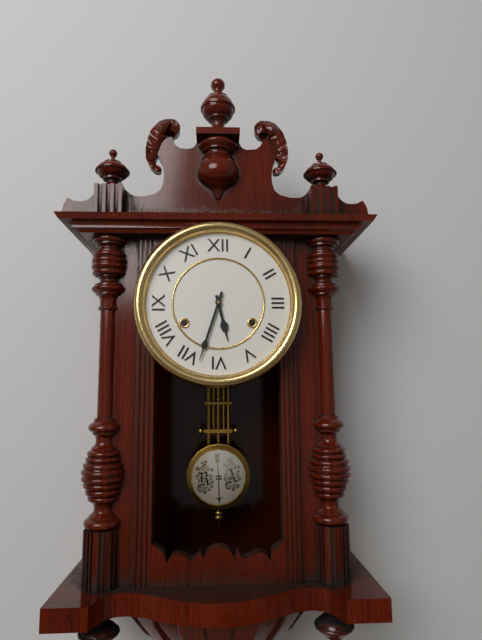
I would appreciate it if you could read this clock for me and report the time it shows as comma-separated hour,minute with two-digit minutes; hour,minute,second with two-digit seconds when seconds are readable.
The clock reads 5,33
